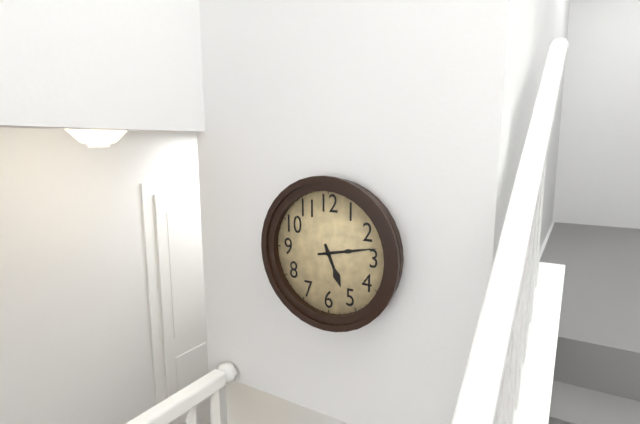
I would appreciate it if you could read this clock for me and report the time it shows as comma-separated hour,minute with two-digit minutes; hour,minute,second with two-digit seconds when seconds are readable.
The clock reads 5,13
